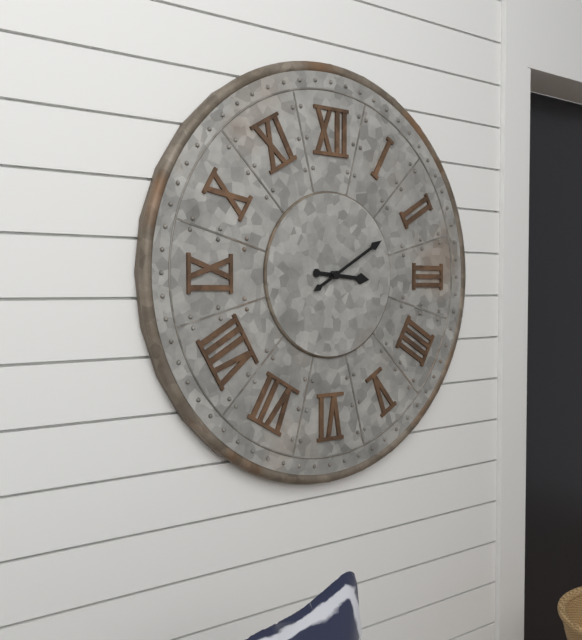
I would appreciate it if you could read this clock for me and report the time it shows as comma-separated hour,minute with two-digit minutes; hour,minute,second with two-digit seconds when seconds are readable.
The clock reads 3,10
